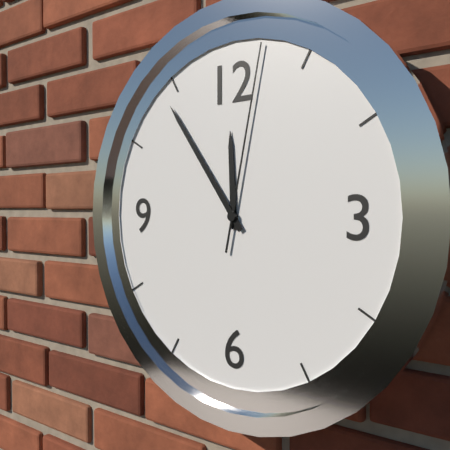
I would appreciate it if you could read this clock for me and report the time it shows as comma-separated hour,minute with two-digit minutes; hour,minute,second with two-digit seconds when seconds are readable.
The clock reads 11,54,02
